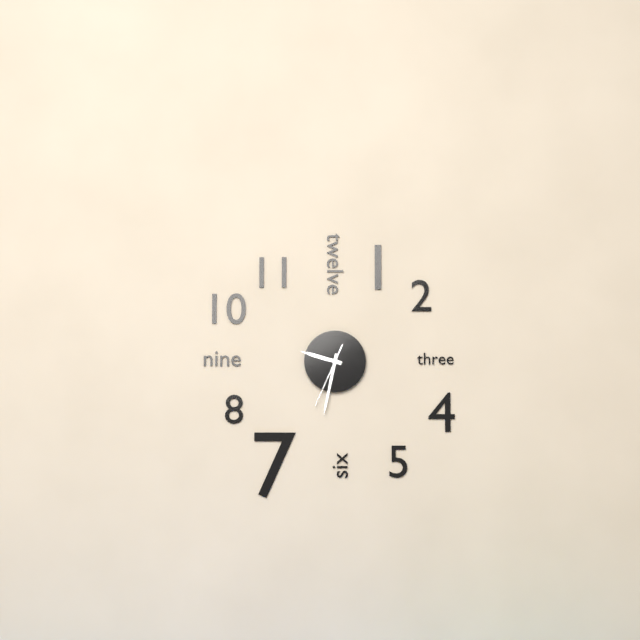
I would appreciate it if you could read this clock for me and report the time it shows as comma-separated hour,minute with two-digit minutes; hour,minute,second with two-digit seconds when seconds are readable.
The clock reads 9,32,34
